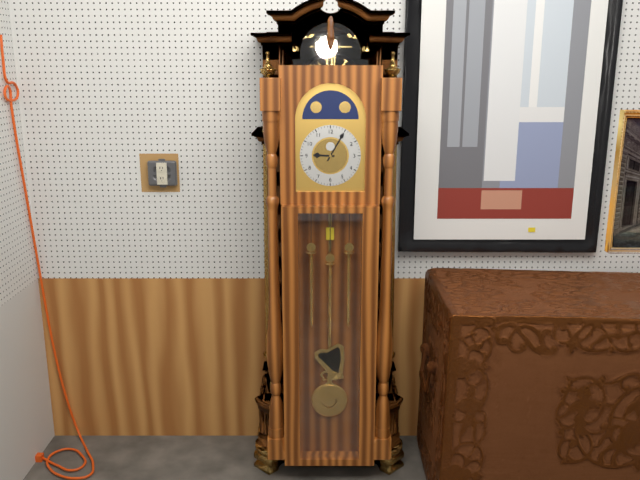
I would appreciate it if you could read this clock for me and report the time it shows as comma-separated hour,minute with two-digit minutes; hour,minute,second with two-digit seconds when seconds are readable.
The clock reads 9,05
